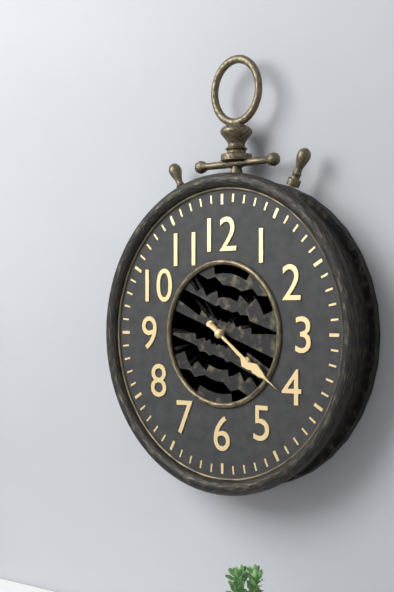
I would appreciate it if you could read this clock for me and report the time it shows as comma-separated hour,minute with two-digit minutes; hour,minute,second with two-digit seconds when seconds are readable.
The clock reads 4,21
